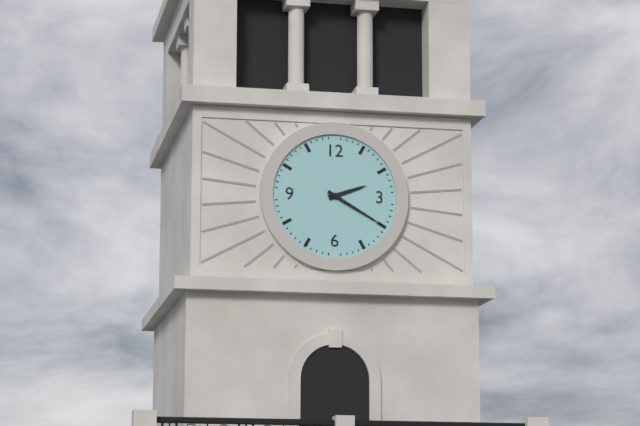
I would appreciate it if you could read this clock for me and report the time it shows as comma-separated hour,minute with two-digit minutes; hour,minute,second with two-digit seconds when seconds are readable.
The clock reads 2,20
